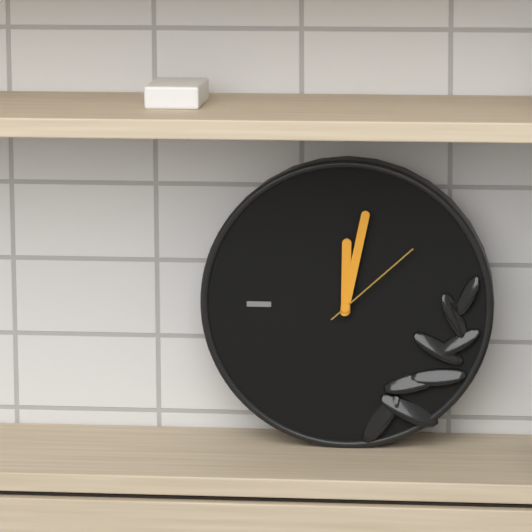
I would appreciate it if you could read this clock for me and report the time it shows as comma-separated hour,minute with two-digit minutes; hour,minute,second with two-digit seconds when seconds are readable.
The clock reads 12,02,08
